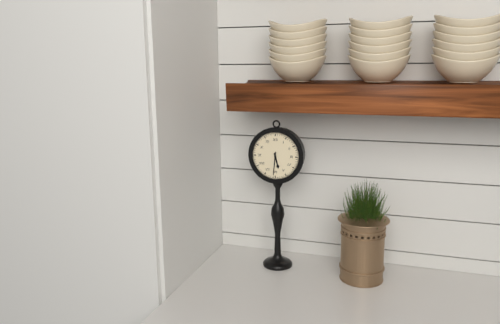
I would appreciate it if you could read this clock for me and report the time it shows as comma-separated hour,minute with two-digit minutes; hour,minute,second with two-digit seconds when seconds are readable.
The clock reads 5,31
